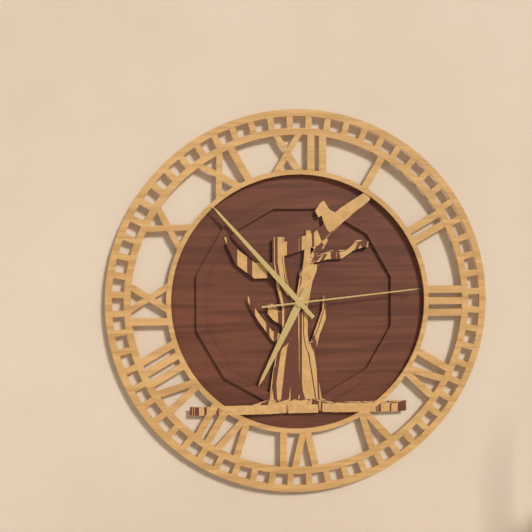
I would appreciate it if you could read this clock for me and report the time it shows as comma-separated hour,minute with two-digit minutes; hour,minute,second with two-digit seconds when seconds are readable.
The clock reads 6,53,14
